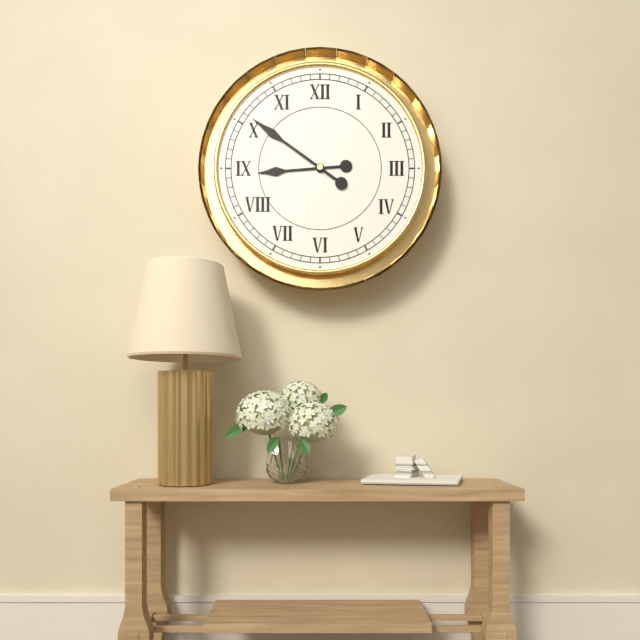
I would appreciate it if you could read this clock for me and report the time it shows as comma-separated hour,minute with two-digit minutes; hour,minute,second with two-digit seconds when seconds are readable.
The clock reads 8,51
